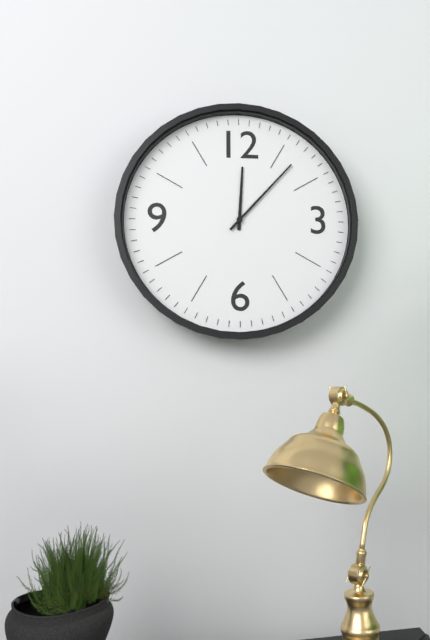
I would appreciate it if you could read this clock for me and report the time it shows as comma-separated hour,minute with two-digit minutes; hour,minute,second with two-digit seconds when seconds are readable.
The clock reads 12,07
